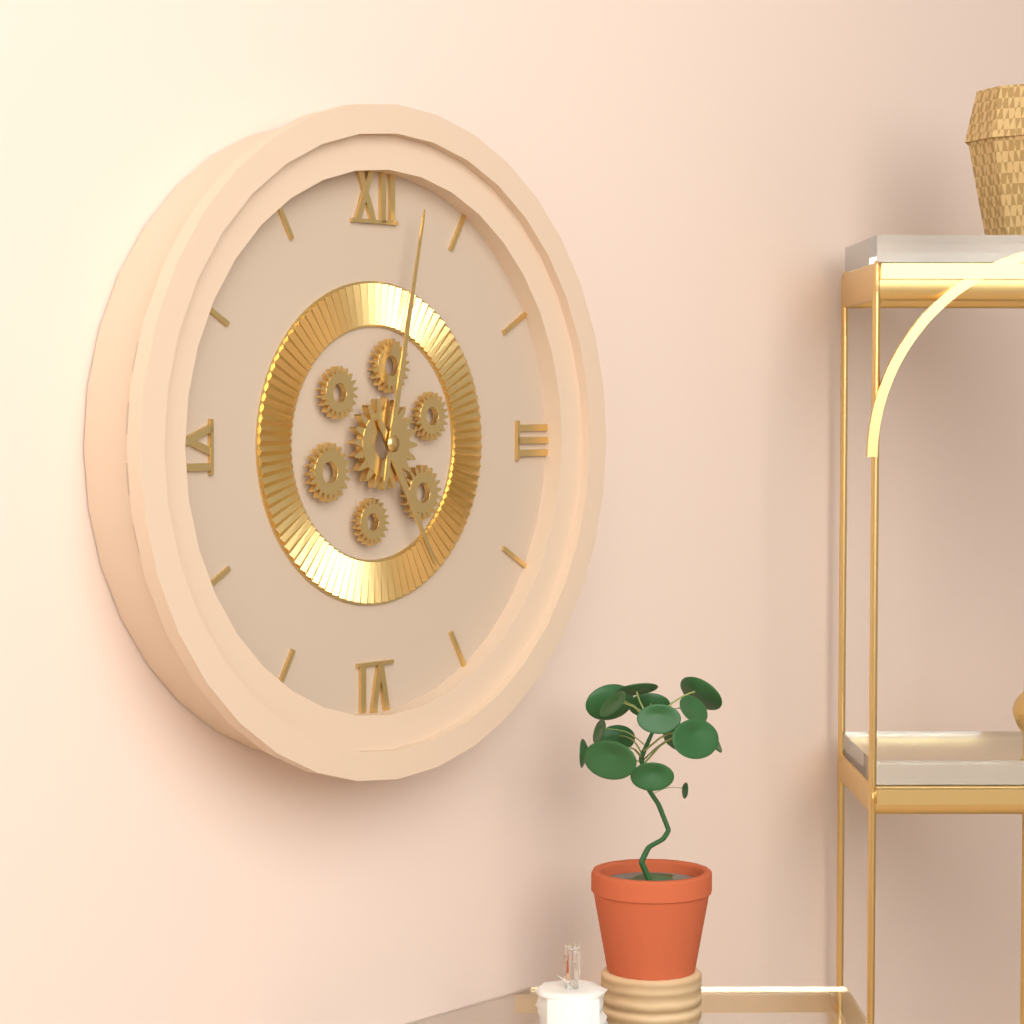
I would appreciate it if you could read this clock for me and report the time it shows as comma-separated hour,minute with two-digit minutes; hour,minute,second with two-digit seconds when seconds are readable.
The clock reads 5,02
